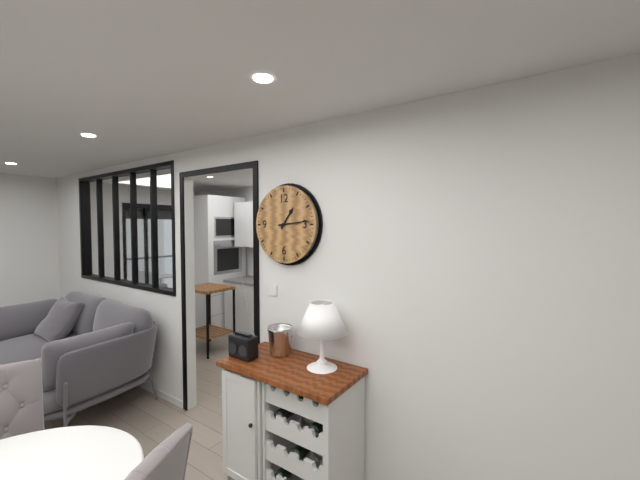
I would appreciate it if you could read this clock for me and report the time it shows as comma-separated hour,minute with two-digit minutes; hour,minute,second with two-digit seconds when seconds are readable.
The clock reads 1,14
